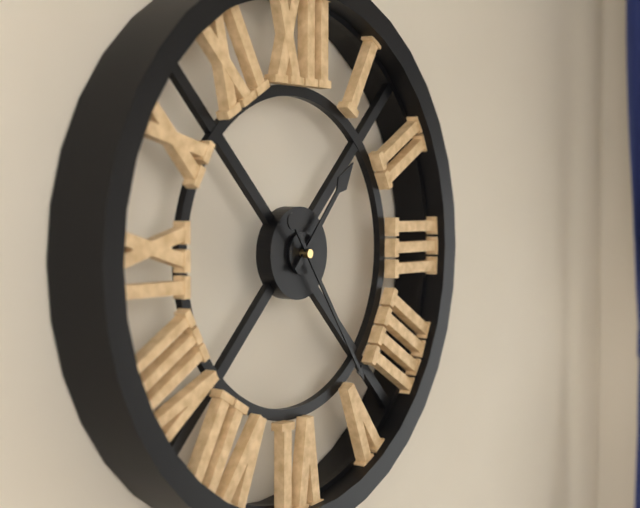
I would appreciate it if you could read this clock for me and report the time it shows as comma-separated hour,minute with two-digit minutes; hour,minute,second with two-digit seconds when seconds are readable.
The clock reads 1,24
